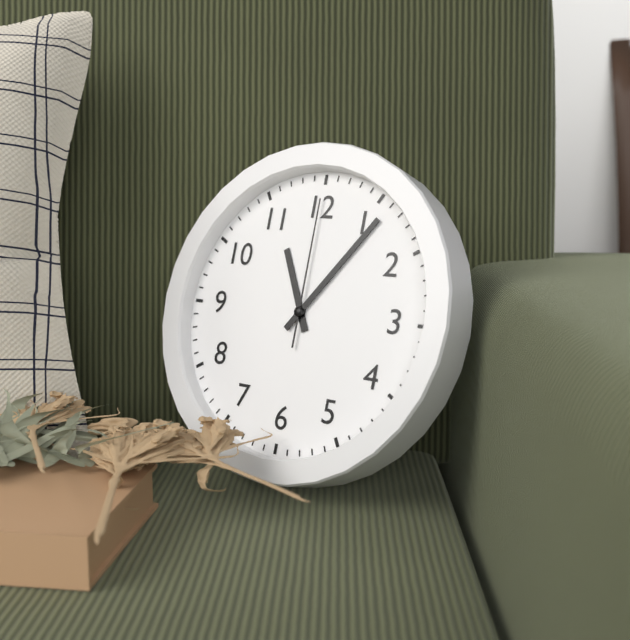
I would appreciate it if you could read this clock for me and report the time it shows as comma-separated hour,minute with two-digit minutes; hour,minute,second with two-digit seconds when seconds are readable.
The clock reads 11,06,00
